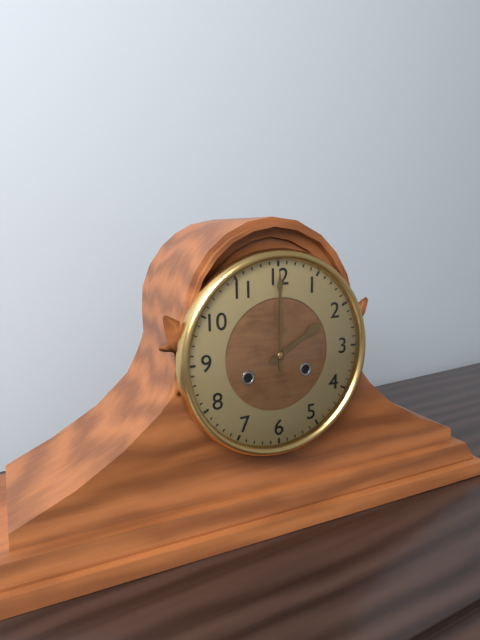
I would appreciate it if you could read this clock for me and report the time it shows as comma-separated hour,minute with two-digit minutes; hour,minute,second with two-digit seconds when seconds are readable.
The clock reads 2,00
